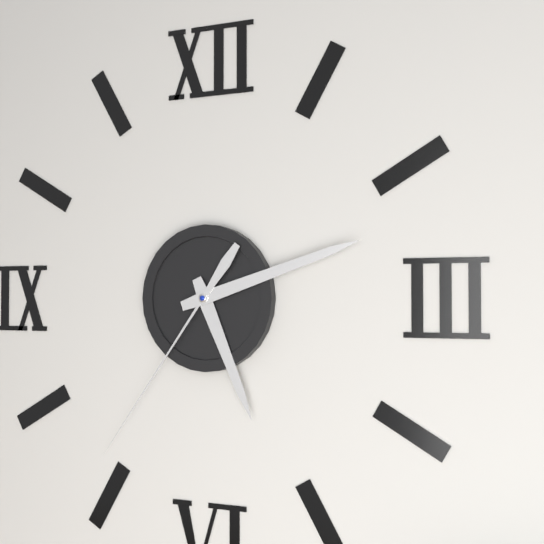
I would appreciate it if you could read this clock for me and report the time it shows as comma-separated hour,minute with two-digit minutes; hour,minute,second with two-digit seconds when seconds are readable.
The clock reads 5,12,36
